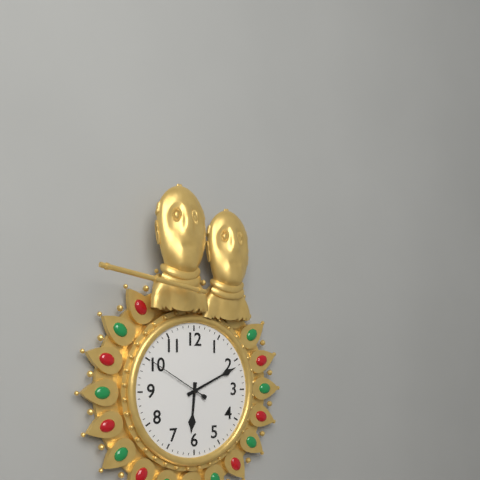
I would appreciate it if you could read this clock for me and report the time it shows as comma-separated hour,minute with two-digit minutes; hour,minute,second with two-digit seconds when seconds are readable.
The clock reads 6,11,50
